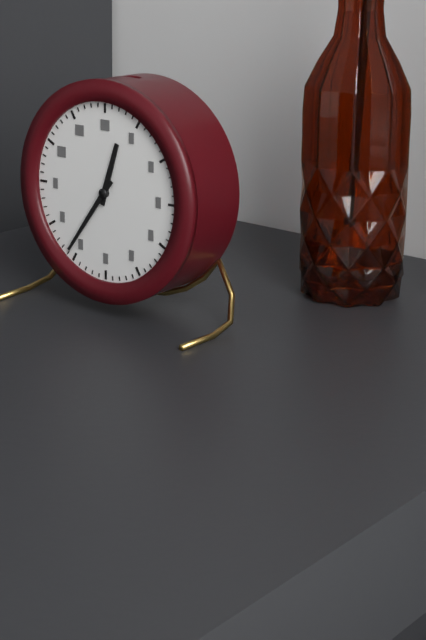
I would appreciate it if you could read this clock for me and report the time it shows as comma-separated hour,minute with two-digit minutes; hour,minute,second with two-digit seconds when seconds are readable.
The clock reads 12,36
